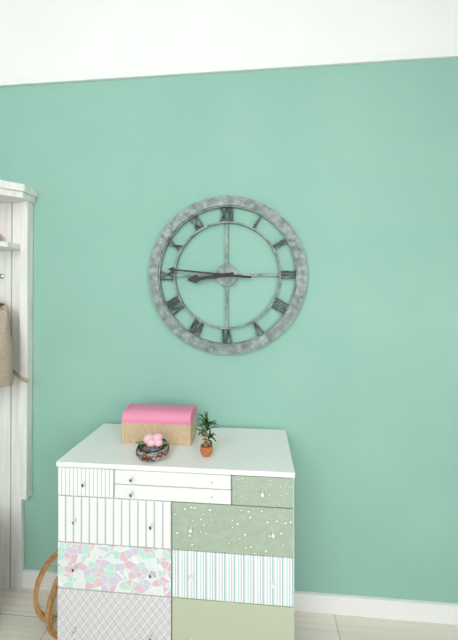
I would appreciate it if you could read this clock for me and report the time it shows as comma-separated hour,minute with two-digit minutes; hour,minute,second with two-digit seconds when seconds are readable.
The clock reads 8,46
